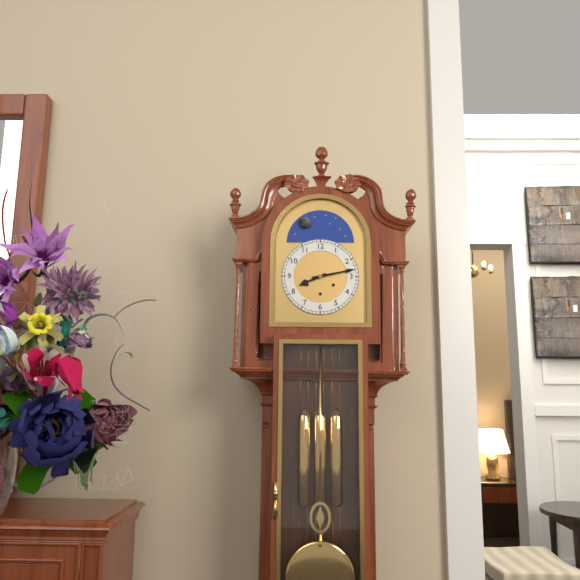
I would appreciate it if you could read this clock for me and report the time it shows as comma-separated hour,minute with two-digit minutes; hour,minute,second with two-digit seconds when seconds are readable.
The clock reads 8,13
